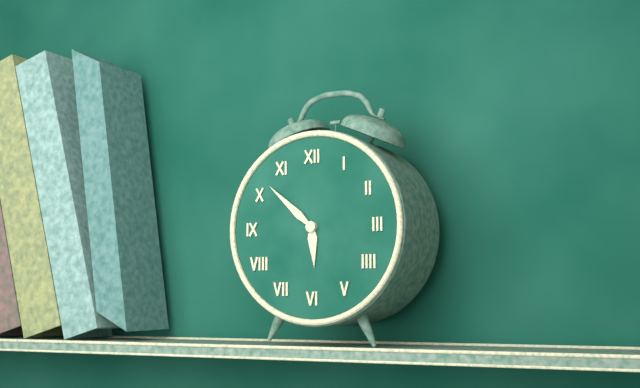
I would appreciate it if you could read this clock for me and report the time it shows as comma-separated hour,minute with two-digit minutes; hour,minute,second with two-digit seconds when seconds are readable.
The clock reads 5,52
